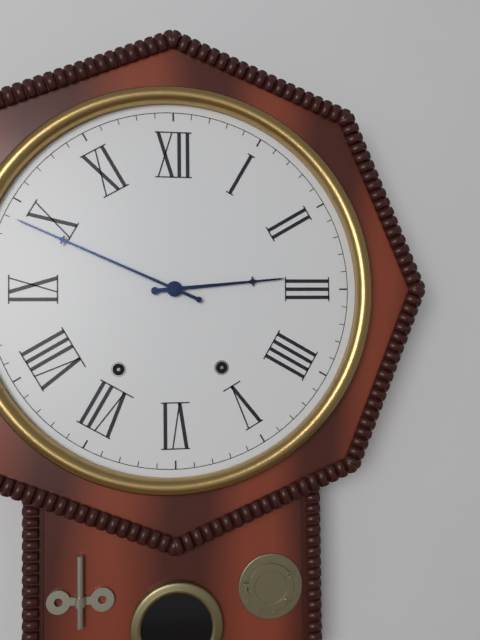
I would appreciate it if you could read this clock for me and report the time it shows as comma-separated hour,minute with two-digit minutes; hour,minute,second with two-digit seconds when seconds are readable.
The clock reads 2,49
